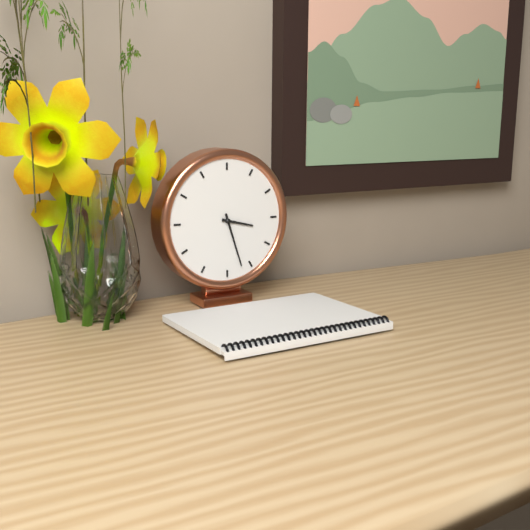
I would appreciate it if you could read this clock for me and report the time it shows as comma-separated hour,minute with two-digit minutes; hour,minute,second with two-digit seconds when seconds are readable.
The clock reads 3,27
